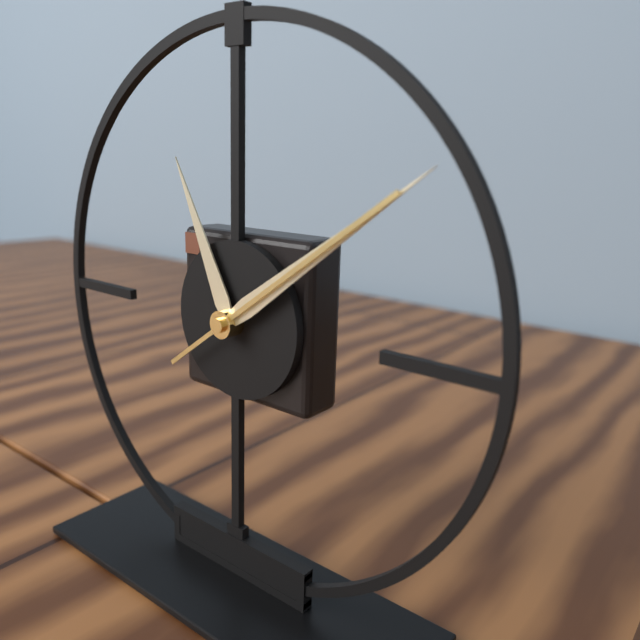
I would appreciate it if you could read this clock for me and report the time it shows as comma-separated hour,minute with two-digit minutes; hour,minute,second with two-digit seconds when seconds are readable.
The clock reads 11,09,09
